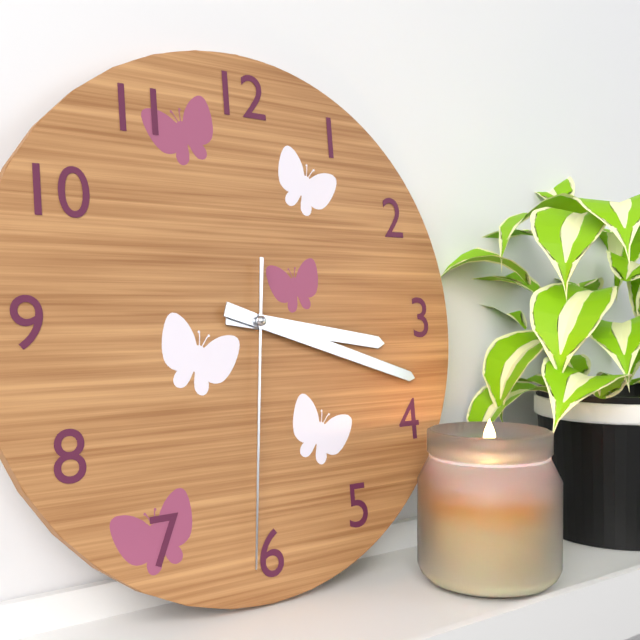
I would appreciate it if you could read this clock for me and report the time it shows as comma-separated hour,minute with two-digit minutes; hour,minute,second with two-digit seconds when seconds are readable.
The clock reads 3,18,31
